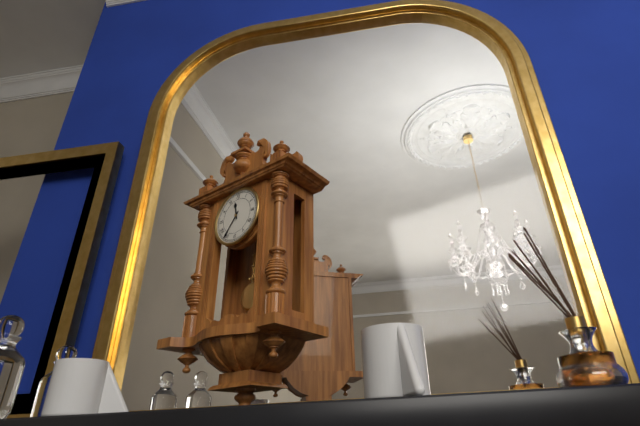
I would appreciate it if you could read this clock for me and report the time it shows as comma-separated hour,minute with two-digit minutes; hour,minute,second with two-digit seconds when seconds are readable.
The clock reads 11,36
